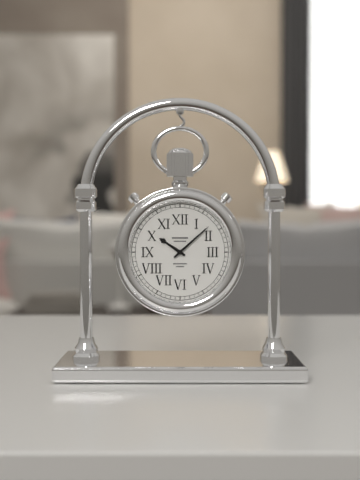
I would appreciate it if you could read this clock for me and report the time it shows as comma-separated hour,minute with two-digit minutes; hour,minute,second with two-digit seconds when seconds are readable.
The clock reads 10,08
